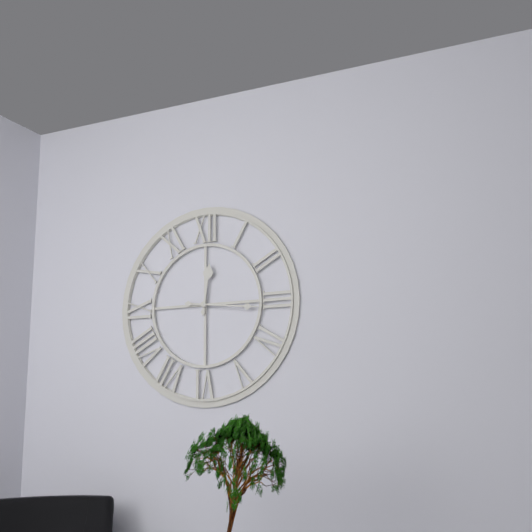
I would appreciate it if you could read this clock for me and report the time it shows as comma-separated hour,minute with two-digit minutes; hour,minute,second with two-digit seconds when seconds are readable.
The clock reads 12,16
